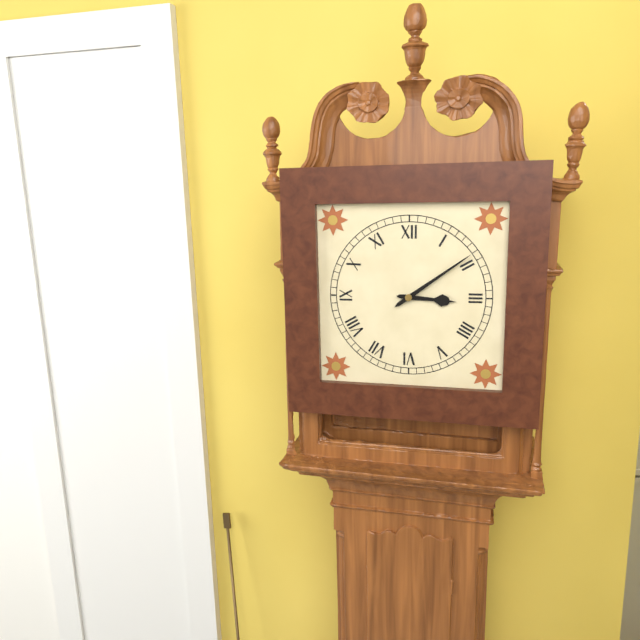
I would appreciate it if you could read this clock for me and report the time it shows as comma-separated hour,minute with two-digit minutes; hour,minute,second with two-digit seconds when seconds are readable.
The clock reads 3,09
